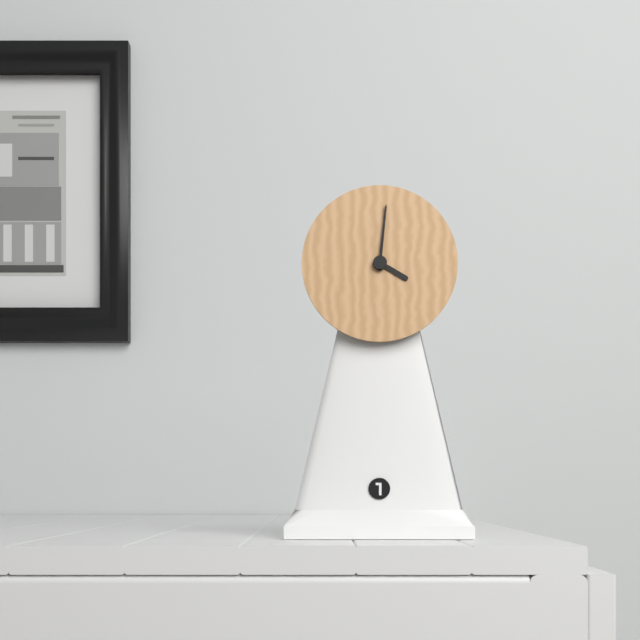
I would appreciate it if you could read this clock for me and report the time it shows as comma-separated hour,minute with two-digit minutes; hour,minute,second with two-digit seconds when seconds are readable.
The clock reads 4,01
